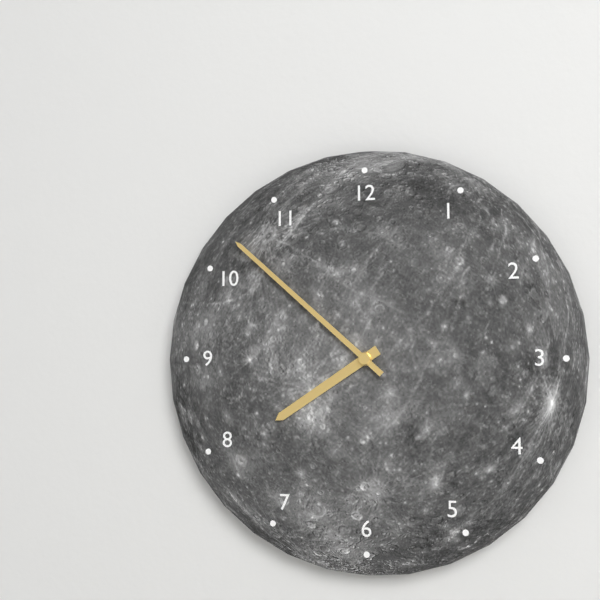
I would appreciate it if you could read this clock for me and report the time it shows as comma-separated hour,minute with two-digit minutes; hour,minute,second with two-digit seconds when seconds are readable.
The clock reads 7,52
